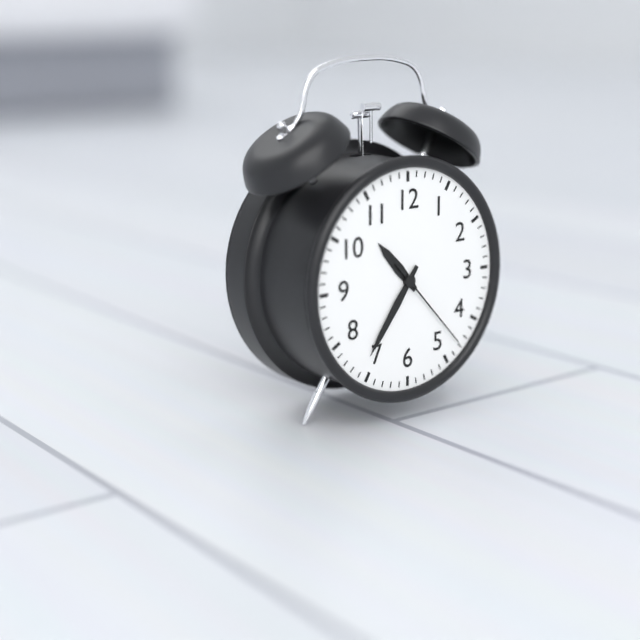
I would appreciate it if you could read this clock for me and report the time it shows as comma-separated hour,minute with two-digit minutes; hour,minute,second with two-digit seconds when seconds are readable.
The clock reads 10,36,23
